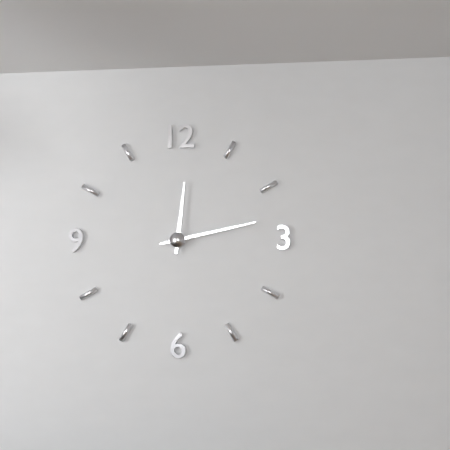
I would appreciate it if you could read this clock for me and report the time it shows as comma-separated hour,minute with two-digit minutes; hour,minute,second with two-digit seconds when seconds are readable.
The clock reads 12,13
